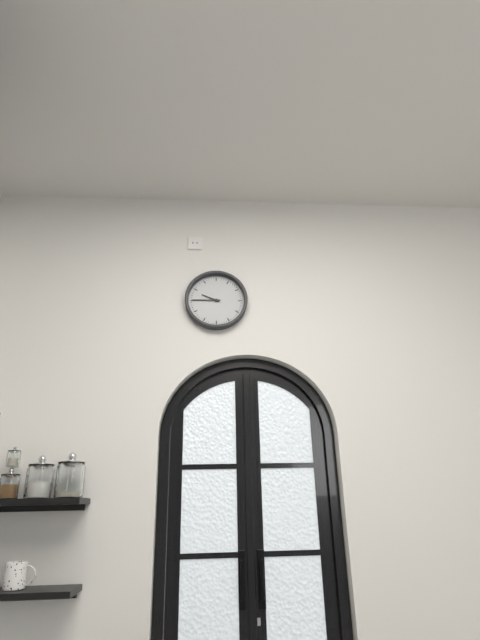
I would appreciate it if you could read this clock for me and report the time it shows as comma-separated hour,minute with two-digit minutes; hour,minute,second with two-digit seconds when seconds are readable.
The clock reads 9,45
